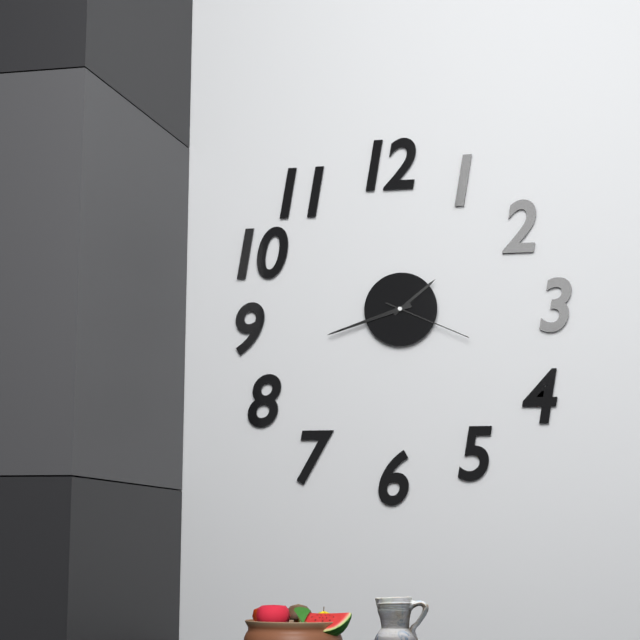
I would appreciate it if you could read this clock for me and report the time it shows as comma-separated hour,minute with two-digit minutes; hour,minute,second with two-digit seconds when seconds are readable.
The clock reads 1,42,19
